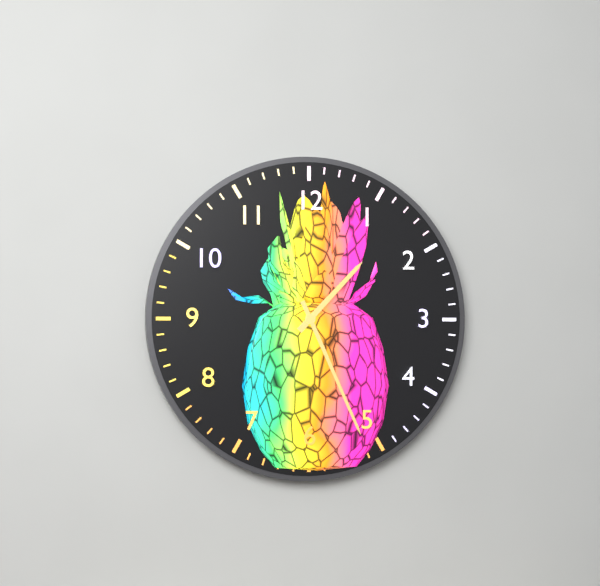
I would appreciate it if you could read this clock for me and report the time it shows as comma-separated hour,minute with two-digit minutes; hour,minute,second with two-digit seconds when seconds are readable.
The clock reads 1,26
